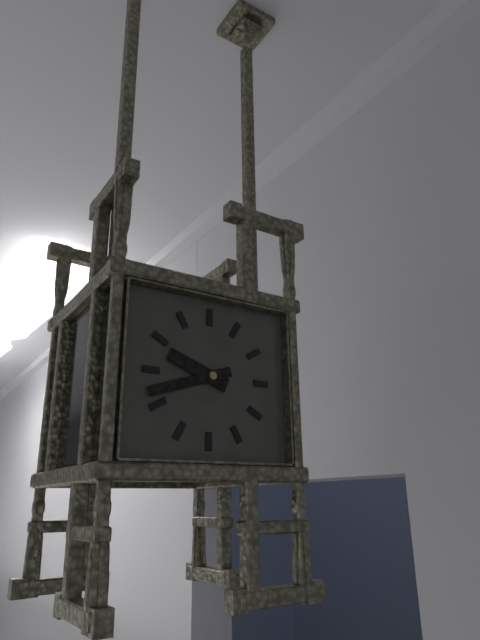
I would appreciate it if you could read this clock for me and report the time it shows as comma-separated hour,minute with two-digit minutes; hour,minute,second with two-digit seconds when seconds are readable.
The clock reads 9,42
